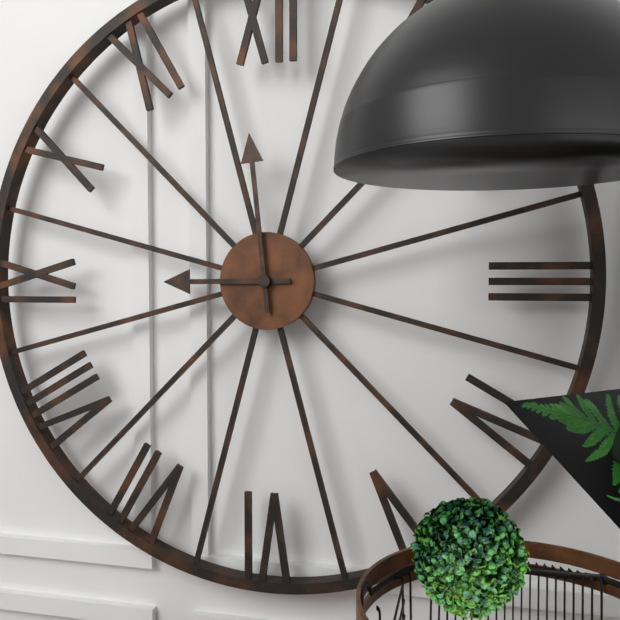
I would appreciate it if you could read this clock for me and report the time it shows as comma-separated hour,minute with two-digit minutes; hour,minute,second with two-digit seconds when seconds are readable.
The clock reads 8,59
